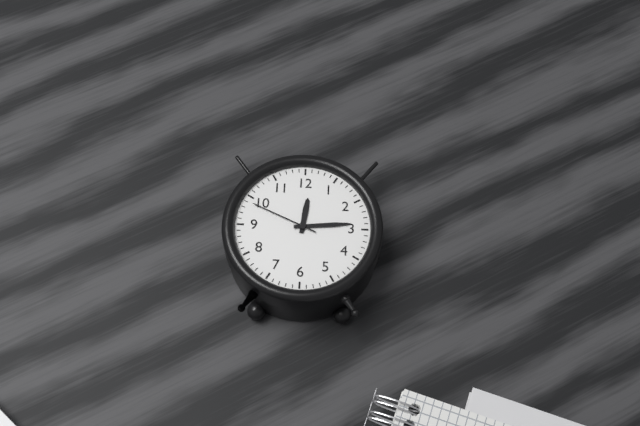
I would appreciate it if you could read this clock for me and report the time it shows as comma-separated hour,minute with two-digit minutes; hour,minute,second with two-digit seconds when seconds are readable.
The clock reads 12,14,49
